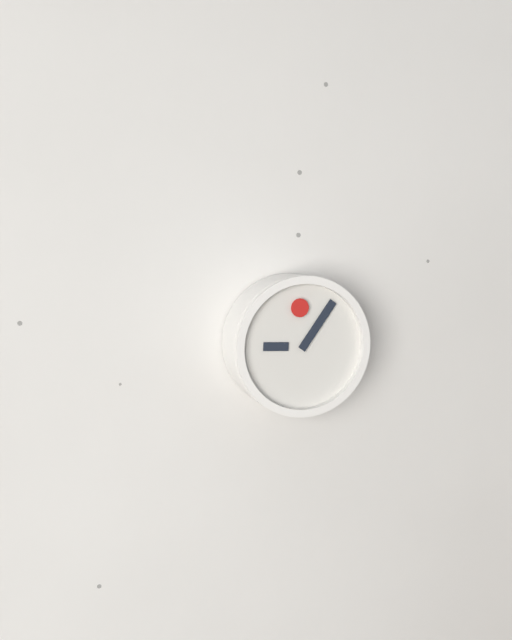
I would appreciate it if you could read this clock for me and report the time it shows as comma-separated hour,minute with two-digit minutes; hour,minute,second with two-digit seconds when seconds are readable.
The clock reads 9,06,59
